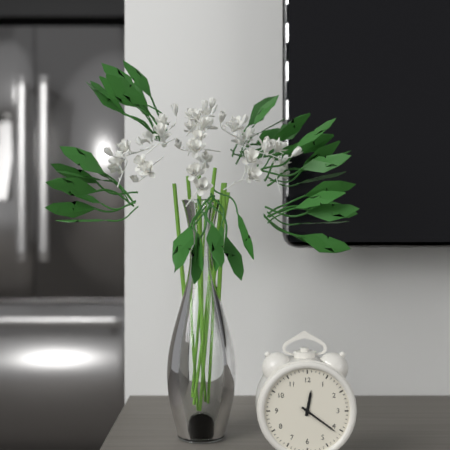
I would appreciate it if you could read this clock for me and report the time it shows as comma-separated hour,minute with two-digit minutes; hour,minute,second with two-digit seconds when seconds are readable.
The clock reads 12,21
